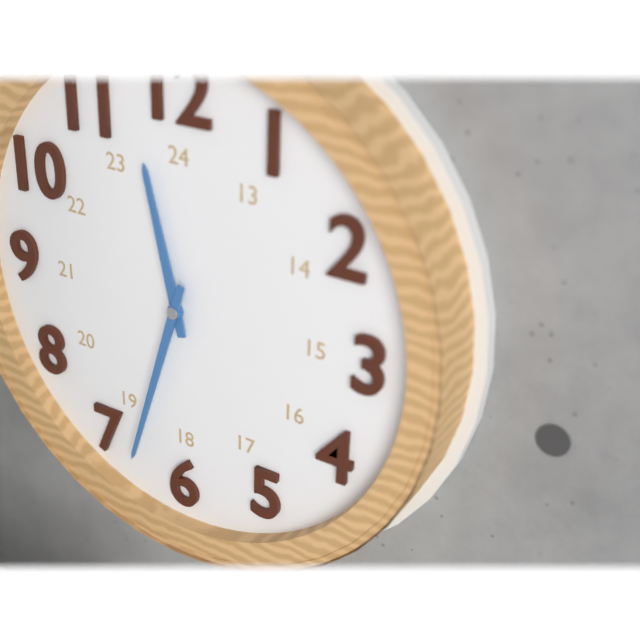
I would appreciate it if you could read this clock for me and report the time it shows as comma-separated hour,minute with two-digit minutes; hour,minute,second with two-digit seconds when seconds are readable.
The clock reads 11,33
